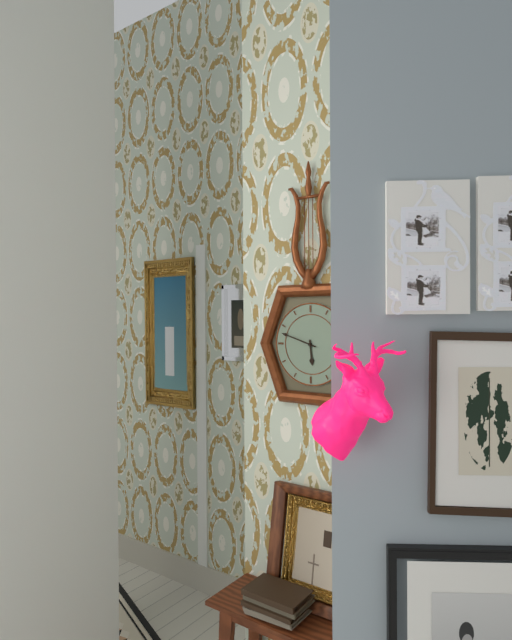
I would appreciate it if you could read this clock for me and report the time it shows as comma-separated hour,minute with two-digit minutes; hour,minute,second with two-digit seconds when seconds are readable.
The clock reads 5,48
